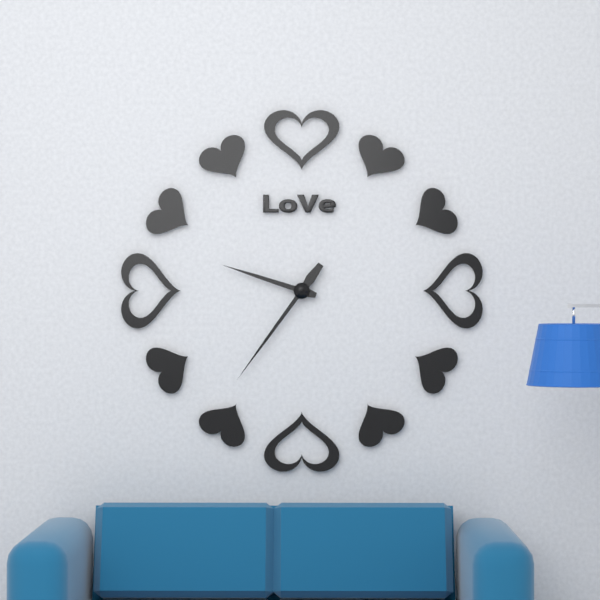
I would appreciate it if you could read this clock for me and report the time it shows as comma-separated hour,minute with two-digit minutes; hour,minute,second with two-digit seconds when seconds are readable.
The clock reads 9,36
